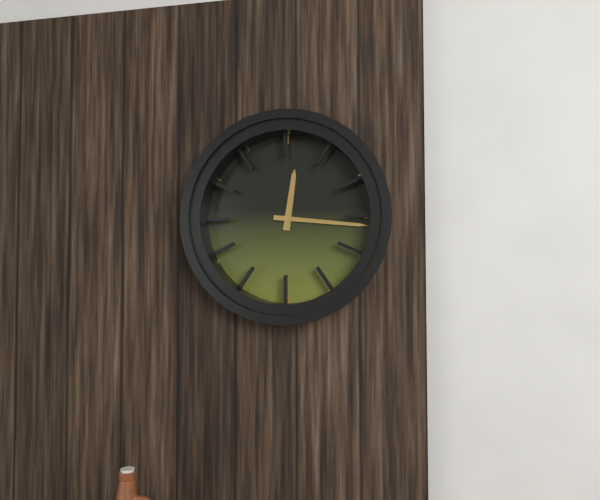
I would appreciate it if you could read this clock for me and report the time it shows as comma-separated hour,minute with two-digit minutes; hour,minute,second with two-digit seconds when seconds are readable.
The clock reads 12,16
